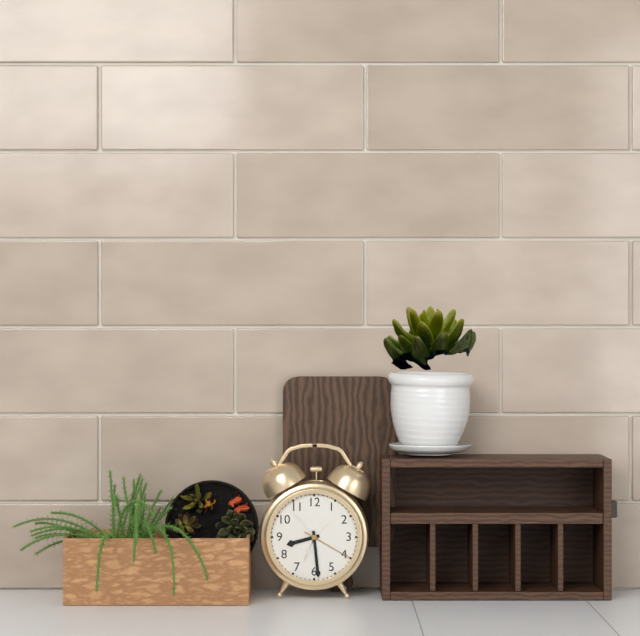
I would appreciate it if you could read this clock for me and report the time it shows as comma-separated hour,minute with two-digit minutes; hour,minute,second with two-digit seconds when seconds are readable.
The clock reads 8,29,20
